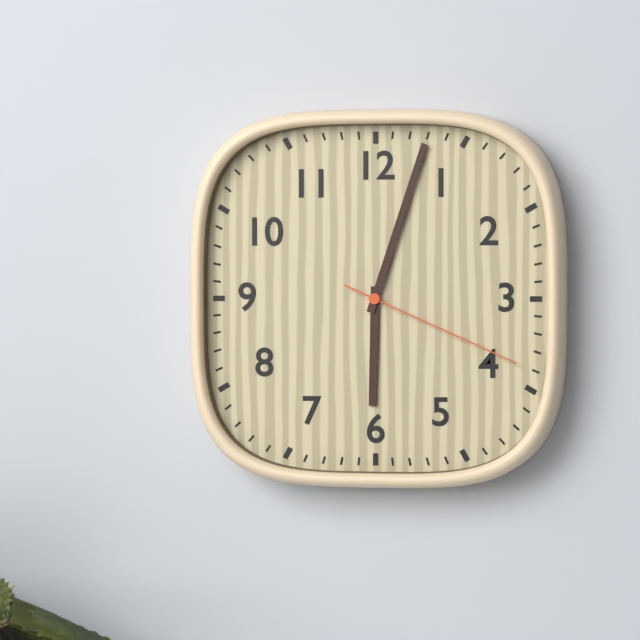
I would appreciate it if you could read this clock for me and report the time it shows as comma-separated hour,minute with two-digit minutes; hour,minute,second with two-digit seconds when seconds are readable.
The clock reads 6,03,19
